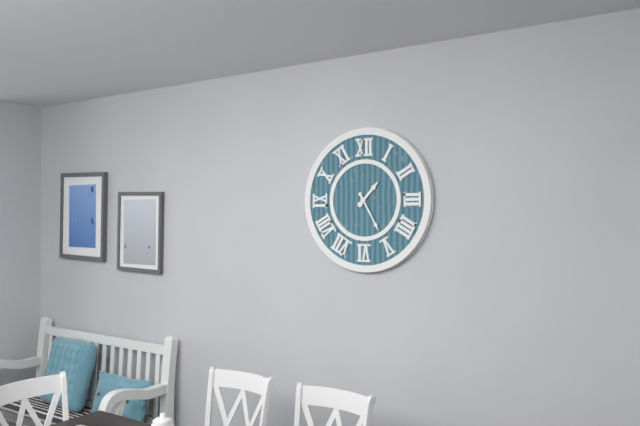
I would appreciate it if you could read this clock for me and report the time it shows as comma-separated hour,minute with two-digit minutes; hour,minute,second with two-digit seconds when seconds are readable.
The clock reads 1,25
